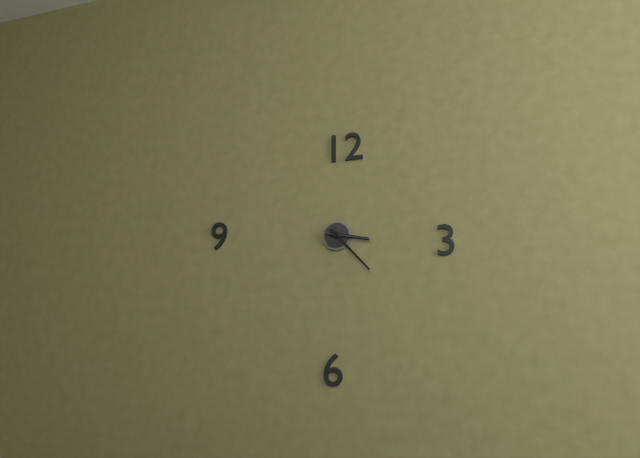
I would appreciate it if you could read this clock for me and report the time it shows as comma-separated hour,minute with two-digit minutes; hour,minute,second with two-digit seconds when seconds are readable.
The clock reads 3,23
